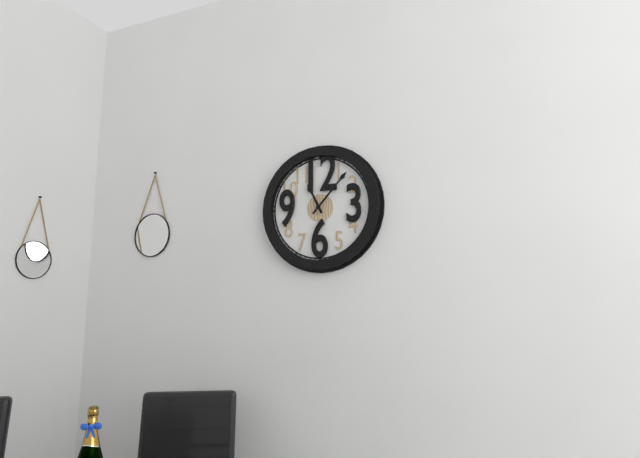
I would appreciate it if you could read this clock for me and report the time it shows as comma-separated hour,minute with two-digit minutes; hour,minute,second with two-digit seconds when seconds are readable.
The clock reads 11,07
